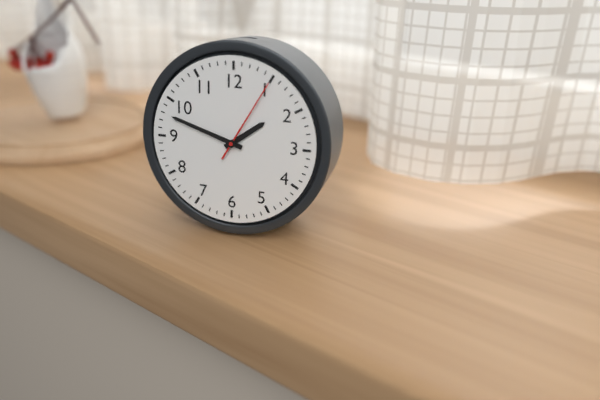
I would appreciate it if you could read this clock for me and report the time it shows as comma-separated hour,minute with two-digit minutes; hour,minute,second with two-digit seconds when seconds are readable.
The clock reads 1,48,05
